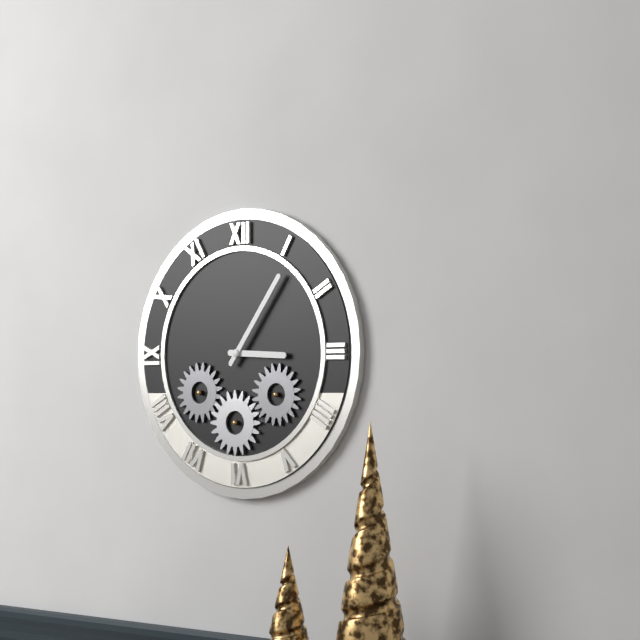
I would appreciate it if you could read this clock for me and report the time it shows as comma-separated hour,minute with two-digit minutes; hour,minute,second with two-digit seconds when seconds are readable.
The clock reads 3,06
